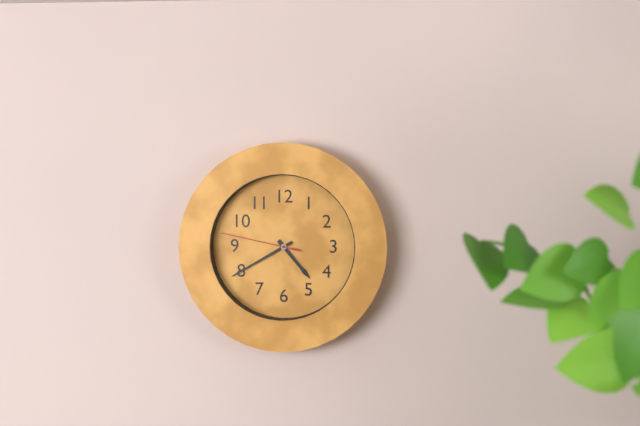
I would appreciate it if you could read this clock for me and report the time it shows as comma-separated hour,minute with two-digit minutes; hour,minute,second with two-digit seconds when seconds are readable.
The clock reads 4,40,47
